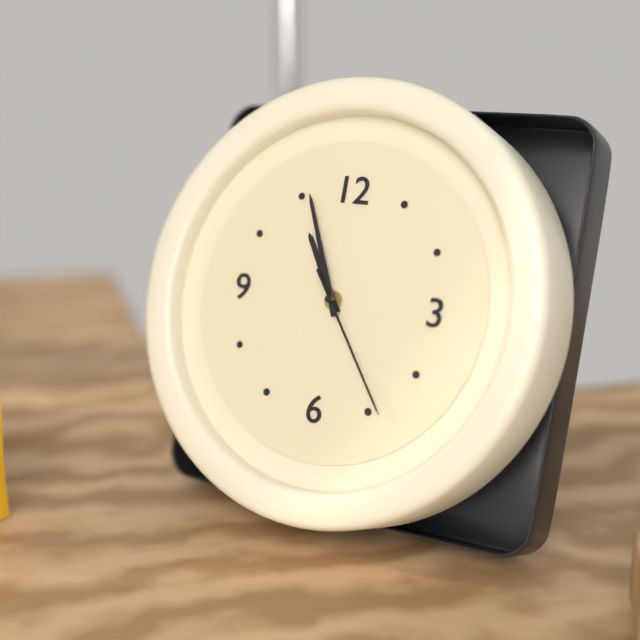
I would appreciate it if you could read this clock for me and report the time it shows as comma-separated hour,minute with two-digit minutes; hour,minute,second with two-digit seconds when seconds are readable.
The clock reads 10,56,24
